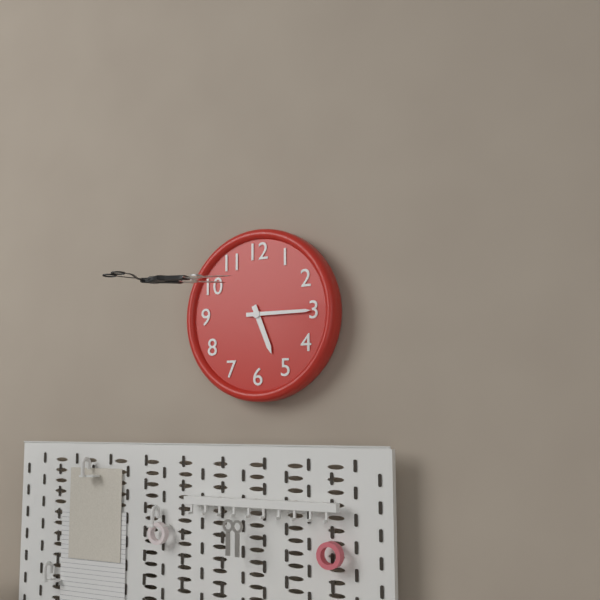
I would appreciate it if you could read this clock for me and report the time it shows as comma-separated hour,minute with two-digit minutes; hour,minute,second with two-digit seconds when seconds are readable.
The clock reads 5,15
